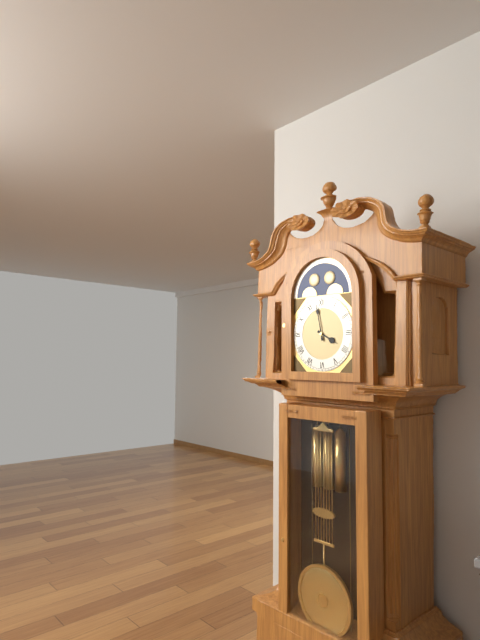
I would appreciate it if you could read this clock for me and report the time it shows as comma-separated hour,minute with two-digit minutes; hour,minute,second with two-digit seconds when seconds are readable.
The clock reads 3,58
